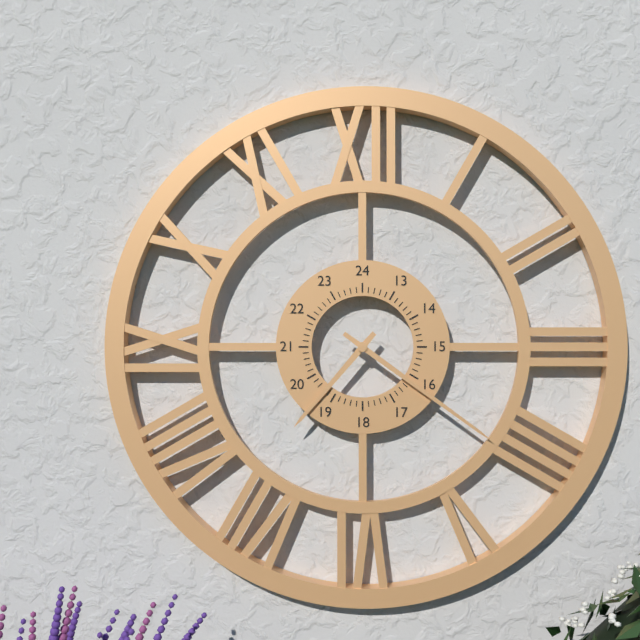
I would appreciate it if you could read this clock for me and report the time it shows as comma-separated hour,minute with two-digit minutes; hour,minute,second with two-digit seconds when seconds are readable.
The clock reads 7,21
